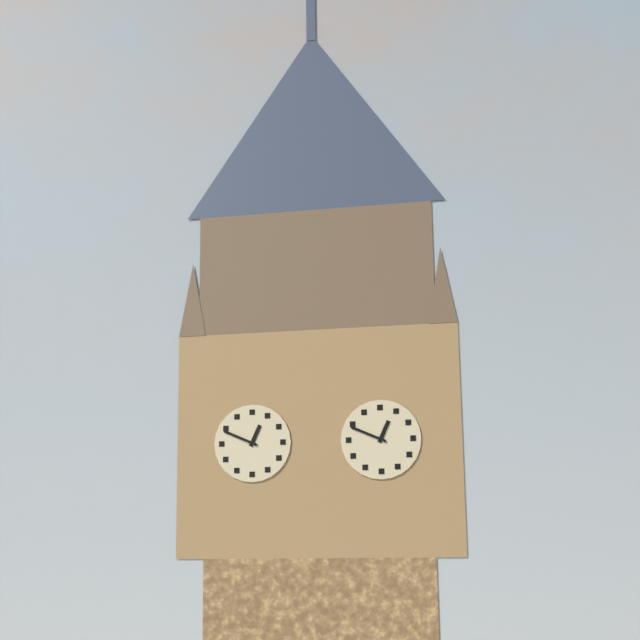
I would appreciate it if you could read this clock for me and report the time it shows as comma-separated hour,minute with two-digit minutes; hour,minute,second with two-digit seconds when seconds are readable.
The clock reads 12,49
